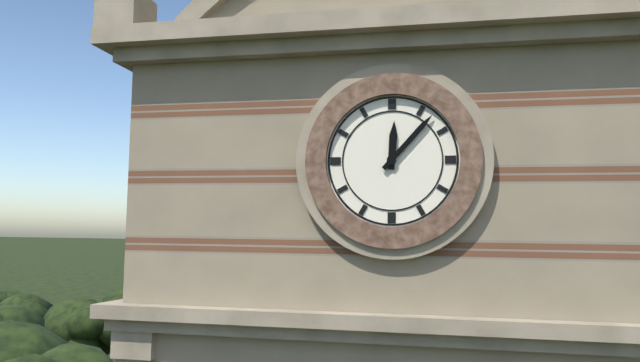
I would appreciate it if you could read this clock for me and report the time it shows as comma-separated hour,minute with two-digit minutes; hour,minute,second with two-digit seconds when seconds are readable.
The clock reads 12,07
